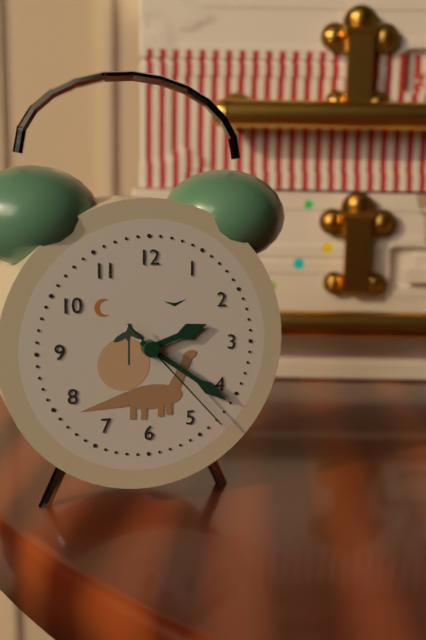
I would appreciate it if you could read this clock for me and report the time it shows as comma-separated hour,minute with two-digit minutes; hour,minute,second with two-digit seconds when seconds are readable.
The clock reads 2,21,23
